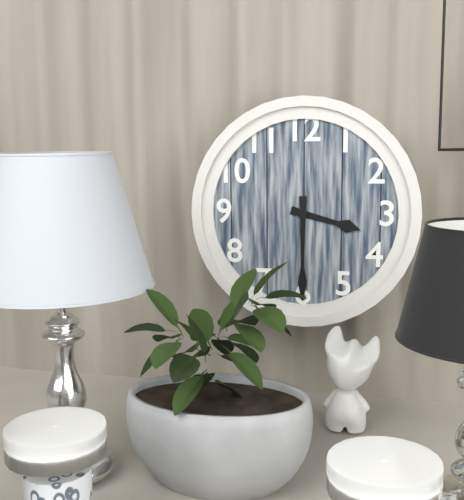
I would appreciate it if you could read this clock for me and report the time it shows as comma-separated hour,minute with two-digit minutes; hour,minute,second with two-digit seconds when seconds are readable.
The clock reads 3,30
